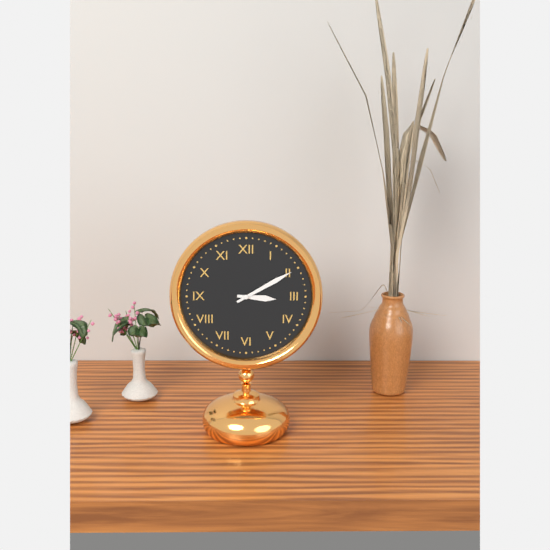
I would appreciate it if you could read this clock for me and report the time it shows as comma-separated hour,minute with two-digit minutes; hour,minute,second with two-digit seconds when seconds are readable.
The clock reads 3,10
